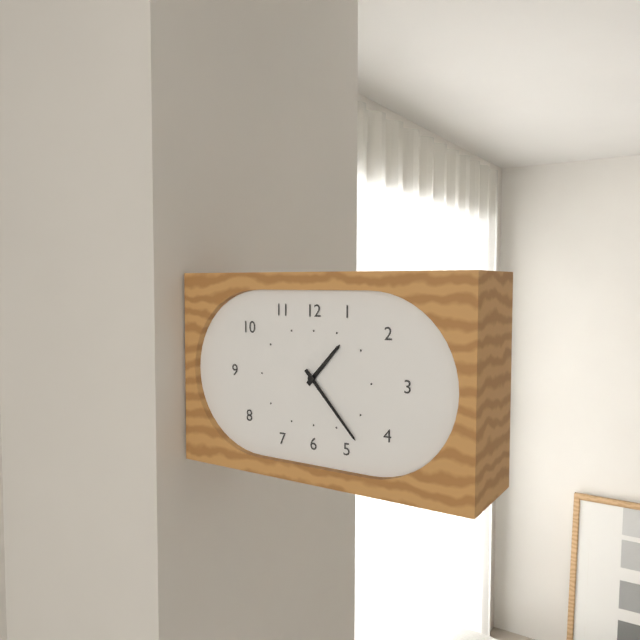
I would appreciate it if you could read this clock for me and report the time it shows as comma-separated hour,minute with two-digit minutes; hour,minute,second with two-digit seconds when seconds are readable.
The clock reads 1,23
